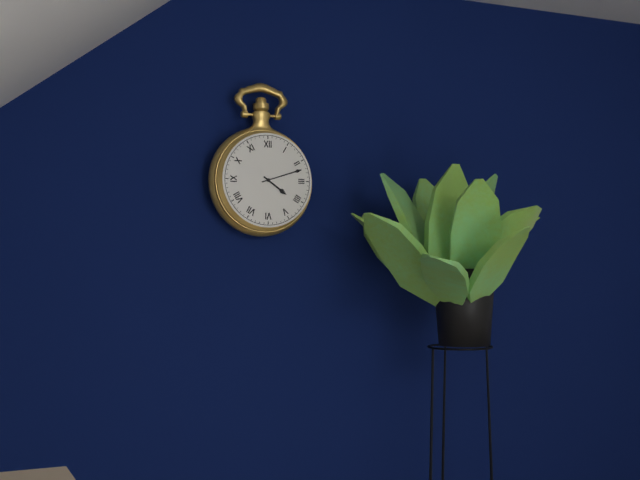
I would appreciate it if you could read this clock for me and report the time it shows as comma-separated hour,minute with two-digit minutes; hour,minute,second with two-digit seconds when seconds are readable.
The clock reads 4,12
